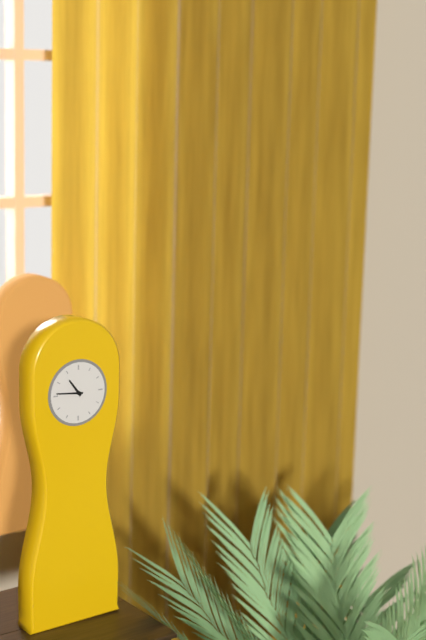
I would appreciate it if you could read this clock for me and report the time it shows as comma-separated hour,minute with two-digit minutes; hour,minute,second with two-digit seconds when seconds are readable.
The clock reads 10,46
